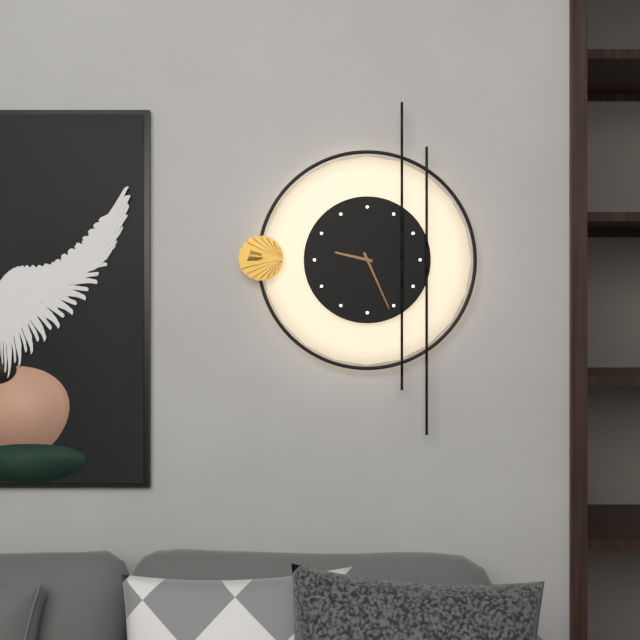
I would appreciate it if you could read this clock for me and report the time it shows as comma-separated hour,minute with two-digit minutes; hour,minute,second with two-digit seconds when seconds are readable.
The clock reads 9,26
